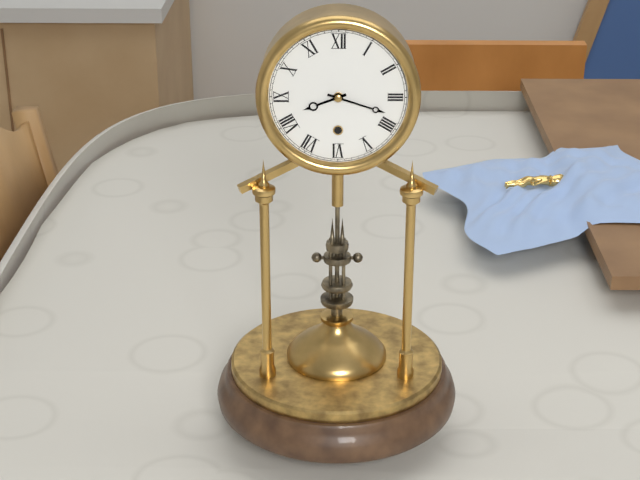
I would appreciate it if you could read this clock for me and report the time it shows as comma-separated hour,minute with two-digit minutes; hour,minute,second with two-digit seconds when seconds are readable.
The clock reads 8,18
